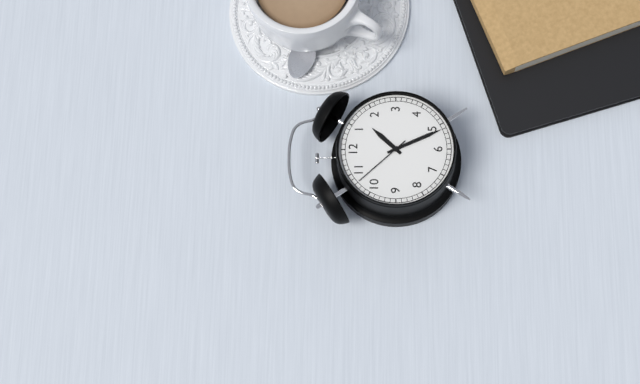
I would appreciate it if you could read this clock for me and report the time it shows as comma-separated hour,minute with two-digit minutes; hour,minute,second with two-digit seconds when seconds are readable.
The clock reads 1,26,53
